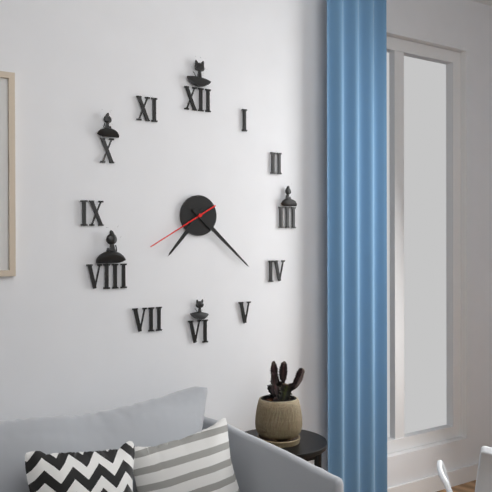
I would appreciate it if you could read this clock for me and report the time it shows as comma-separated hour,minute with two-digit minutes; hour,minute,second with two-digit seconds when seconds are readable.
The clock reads 7,22,40
